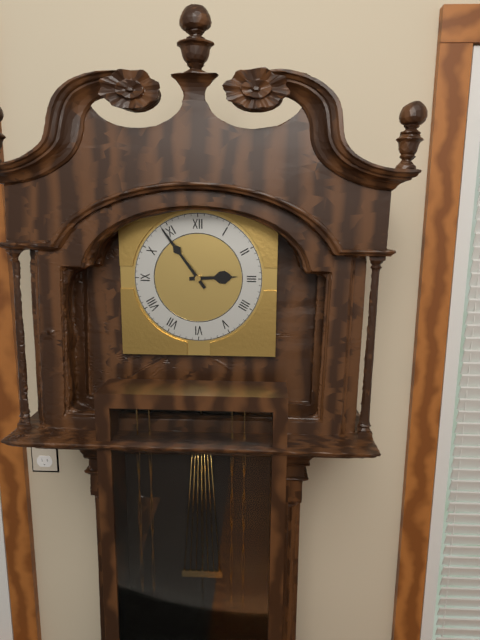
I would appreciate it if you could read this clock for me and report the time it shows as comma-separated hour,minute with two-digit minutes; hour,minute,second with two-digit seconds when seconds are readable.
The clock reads 2,54
